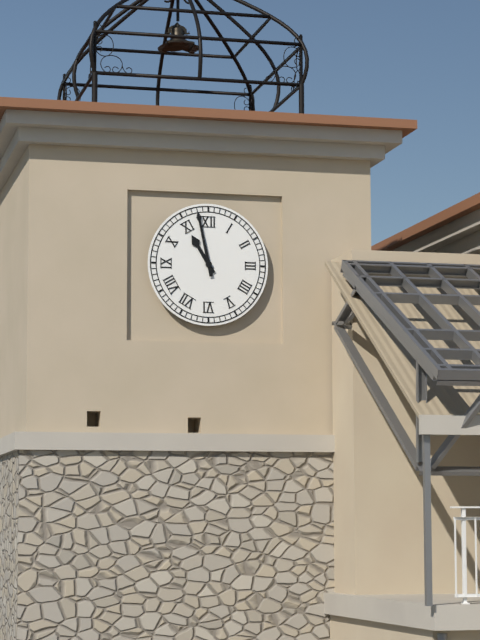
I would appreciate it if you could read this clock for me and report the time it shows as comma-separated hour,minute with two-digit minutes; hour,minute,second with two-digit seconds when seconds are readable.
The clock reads 10,58
